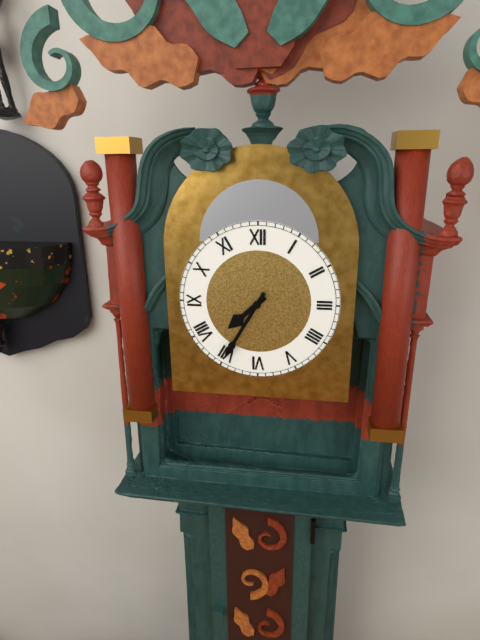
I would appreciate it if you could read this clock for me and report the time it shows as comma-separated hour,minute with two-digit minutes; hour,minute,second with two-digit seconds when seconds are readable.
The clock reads 7,35
